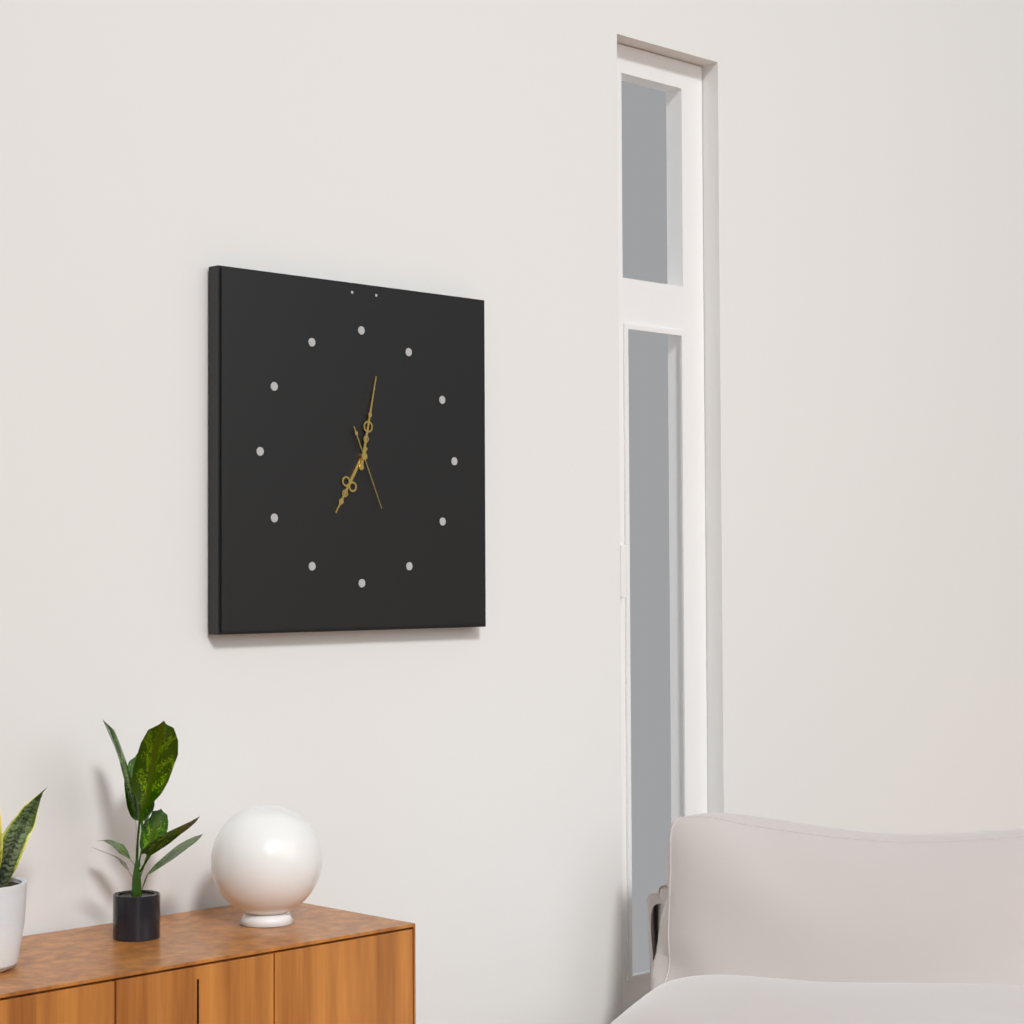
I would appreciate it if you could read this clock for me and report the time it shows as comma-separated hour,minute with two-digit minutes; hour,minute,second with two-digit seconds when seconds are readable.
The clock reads 7,02,26
